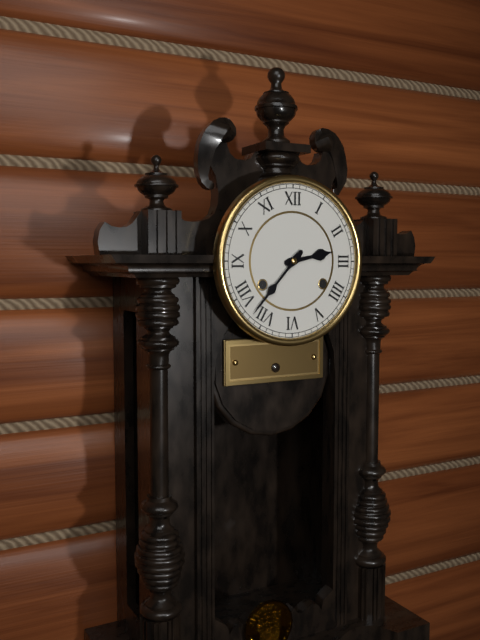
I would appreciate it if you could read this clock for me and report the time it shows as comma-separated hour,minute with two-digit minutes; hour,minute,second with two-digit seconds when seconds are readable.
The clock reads 2,37
